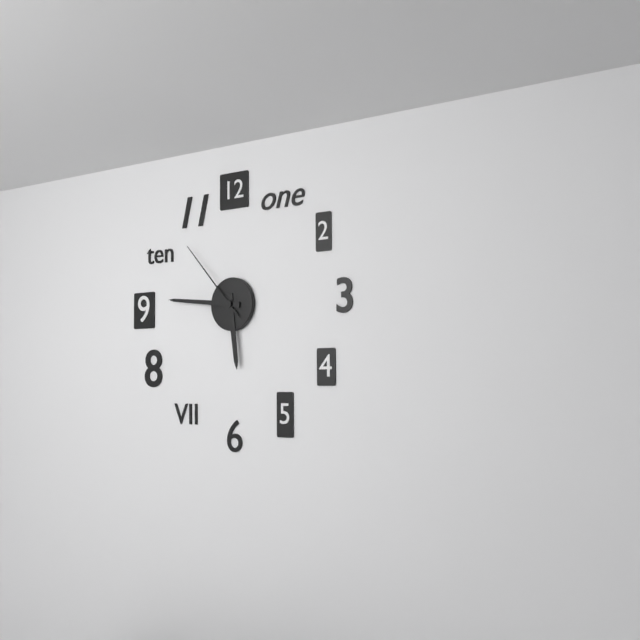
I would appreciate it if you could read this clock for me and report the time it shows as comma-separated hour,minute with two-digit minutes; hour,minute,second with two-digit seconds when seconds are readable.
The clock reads 5,46,53
